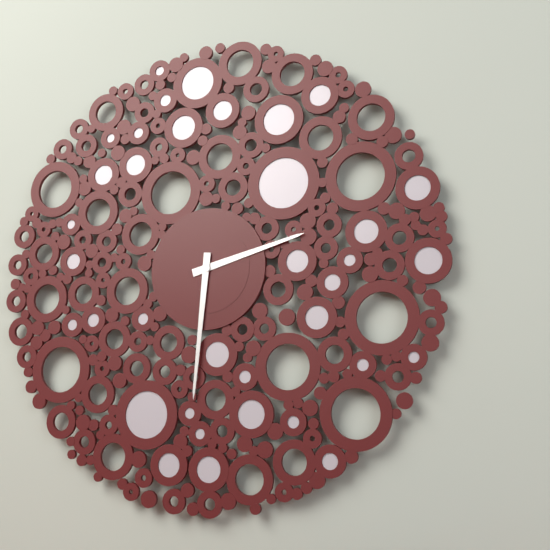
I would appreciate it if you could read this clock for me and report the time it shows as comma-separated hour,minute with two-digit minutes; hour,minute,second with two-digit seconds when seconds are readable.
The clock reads 2,31
